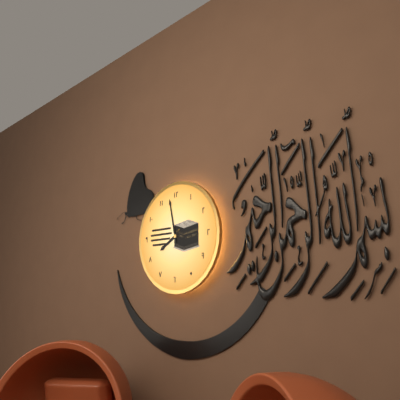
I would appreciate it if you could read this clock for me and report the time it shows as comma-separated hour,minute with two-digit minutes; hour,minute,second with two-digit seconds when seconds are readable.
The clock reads 7,58
